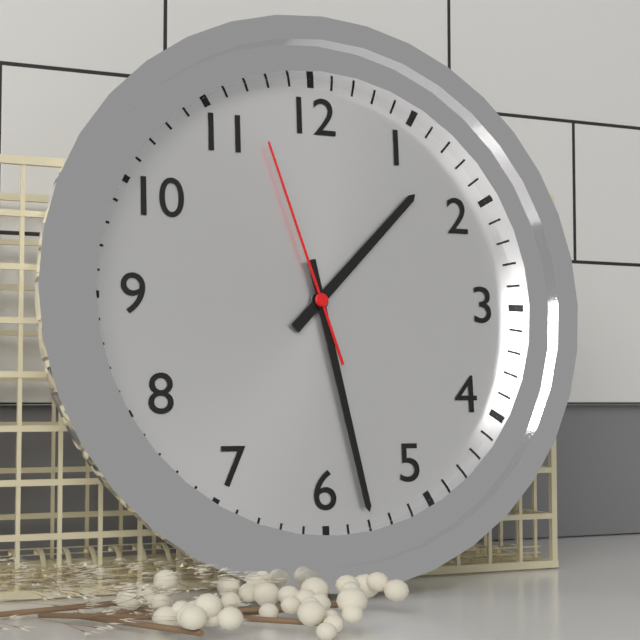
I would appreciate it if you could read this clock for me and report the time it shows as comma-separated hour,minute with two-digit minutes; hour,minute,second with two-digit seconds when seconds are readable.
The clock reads 1,28,57
